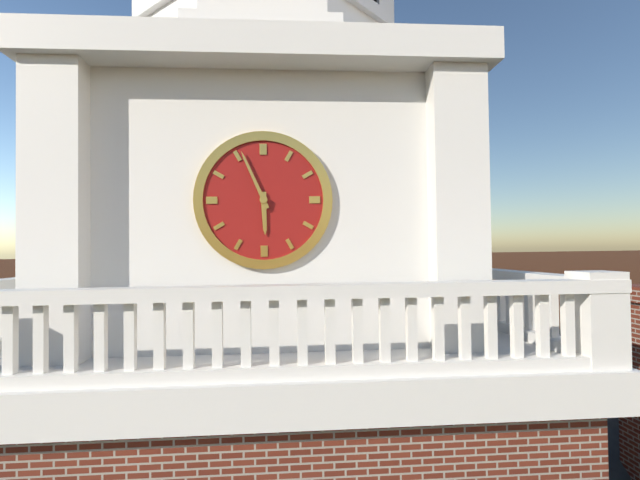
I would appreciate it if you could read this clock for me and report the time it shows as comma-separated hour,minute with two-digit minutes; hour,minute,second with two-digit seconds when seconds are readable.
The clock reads 5,56
